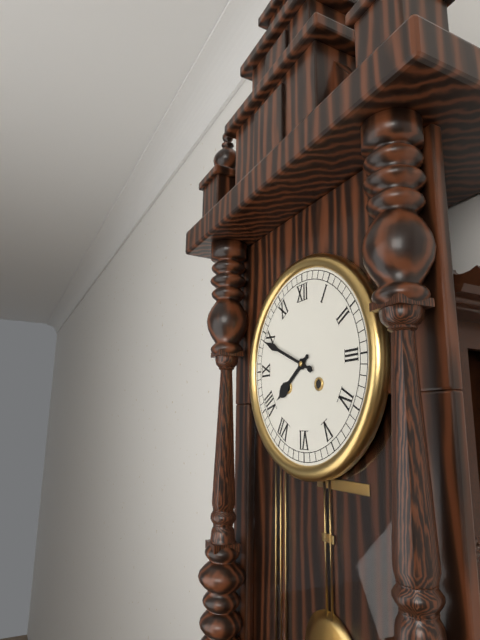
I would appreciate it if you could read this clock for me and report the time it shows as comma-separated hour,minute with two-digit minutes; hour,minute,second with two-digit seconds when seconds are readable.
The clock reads 7,49
